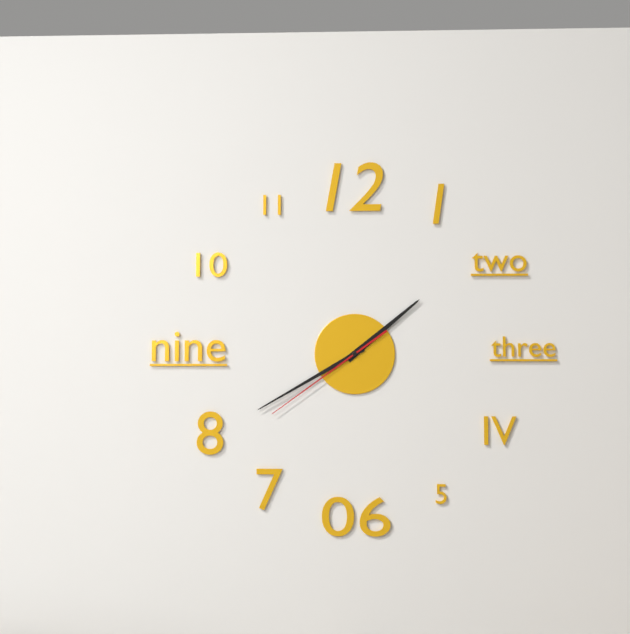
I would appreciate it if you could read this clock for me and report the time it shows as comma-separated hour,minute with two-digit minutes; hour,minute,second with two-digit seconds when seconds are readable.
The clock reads 1,40,39
